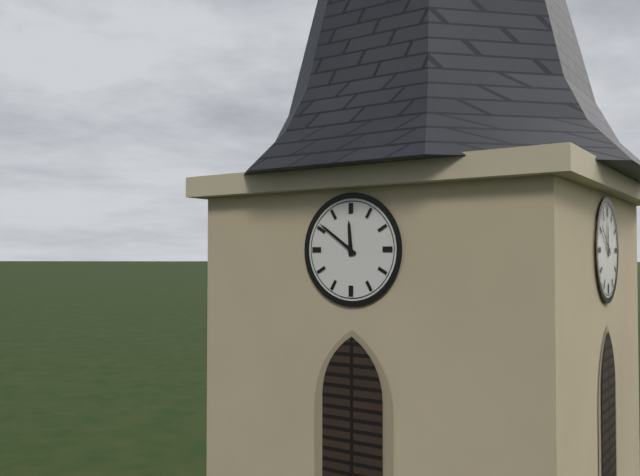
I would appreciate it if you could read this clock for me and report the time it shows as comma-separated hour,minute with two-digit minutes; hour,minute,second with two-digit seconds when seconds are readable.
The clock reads 11,51
